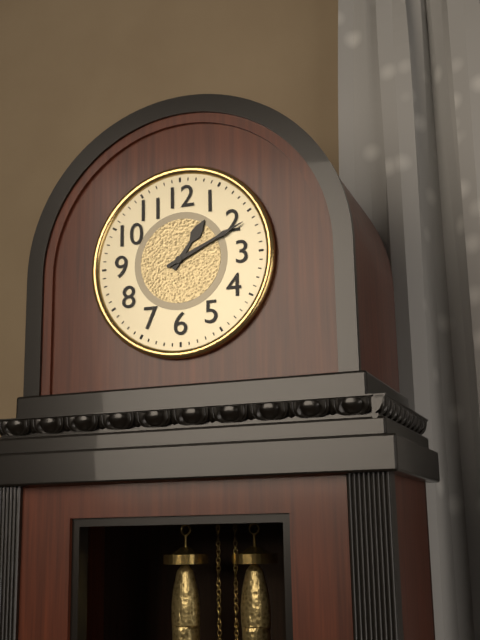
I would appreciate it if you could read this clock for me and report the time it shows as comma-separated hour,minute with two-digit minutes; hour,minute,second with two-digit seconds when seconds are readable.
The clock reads 1,11
